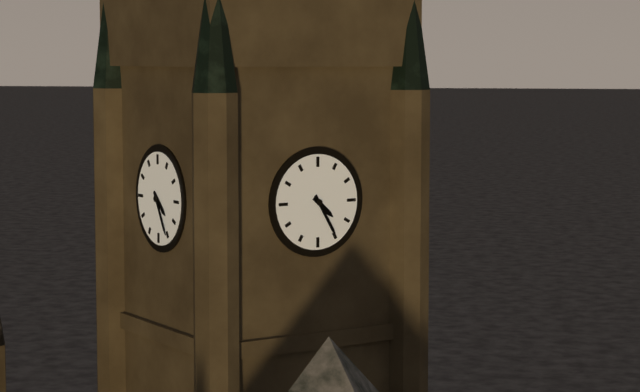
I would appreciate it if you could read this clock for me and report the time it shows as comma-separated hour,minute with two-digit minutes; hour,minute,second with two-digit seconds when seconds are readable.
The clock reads 4,25
